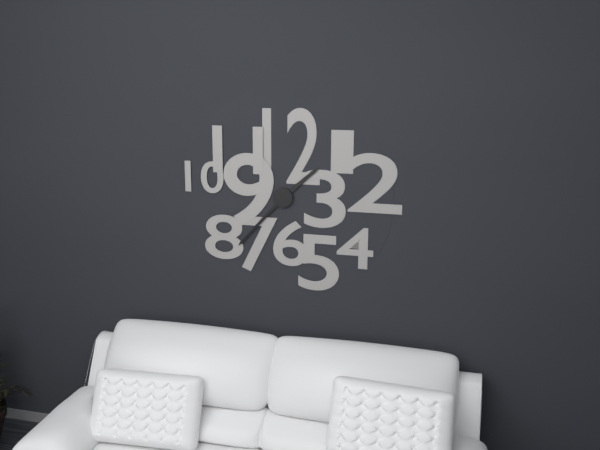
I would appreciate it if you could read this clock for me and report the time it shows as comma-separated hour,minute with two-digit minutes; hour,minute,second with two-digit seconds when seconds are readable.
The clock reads 1,37
